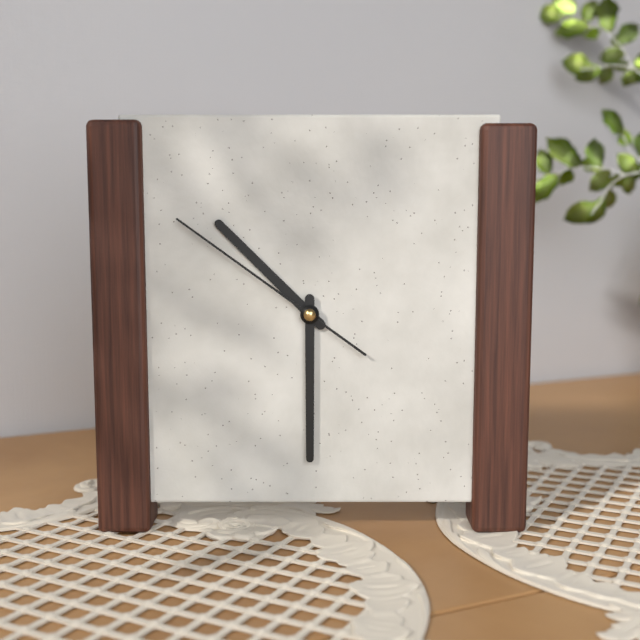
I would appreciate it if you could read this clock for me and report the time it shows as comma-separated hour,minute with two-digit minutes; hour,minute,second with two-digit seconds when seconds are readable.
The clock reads 10,30,51
